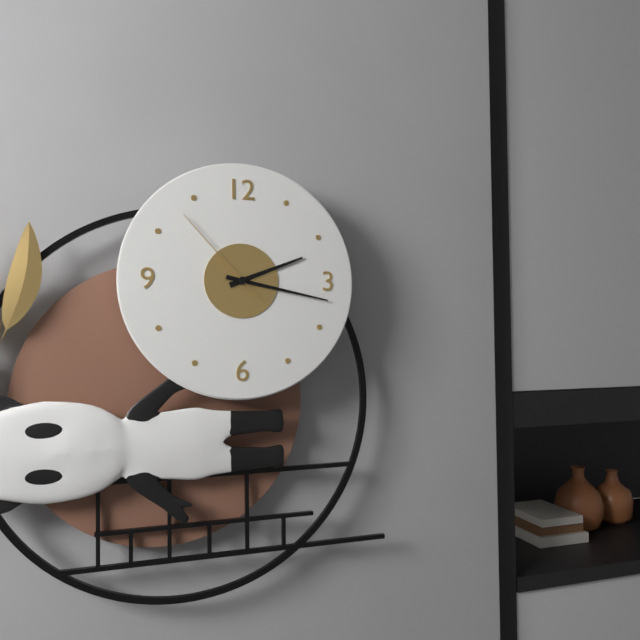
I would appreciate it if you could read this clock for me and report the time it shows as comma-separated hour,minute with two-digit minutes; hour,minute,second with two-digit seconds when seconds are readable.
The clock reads 2,17,53
